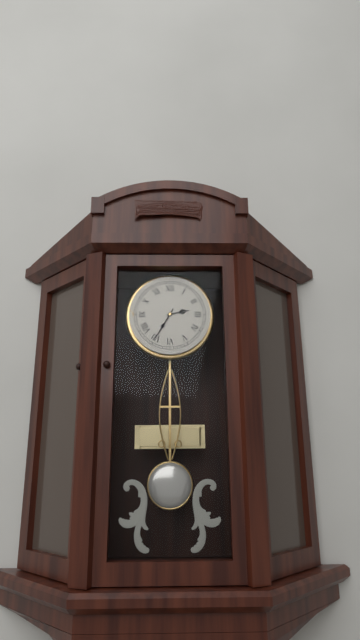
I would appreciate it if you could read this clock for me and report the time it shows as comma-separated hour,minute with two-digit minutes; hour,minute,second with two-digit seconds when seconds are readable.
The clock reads 2,35
